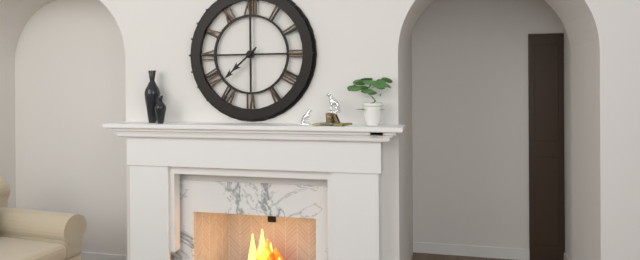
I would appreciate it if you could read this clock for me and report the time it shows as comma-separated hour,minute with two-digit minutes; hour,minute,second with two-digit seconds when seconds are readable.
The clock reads 7,38
